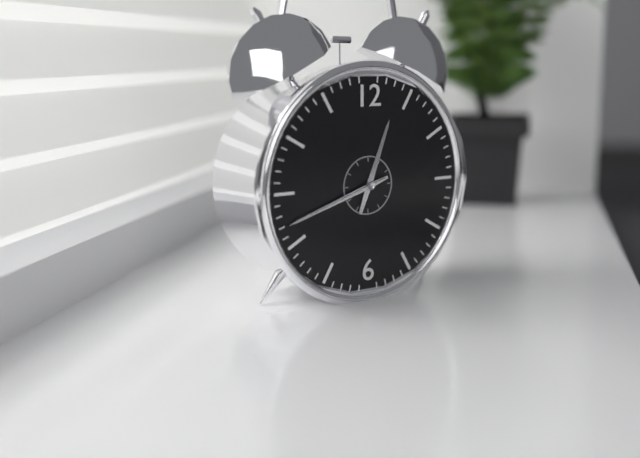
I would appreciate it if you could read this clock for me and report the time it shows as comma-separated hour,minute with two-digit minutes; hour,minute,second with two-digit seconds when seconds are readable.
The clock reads 12,42,42
